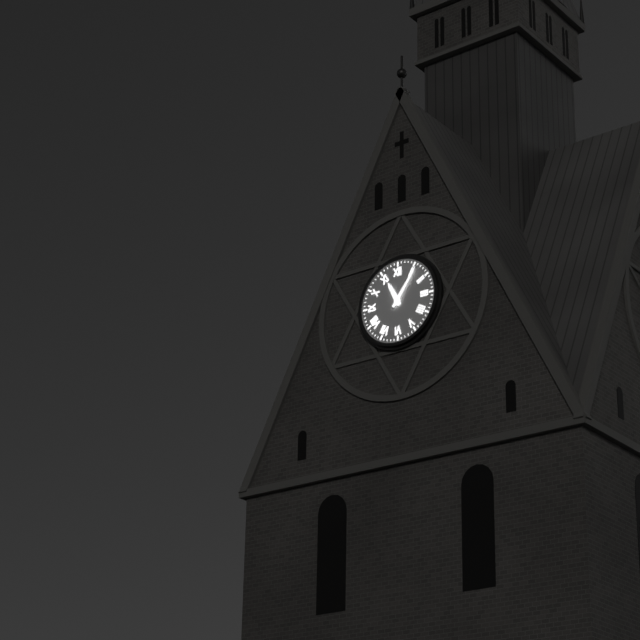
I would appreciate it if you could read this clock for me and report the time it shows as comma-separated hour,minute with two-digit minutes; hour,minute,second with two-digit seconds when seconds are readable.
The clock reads 11,06
